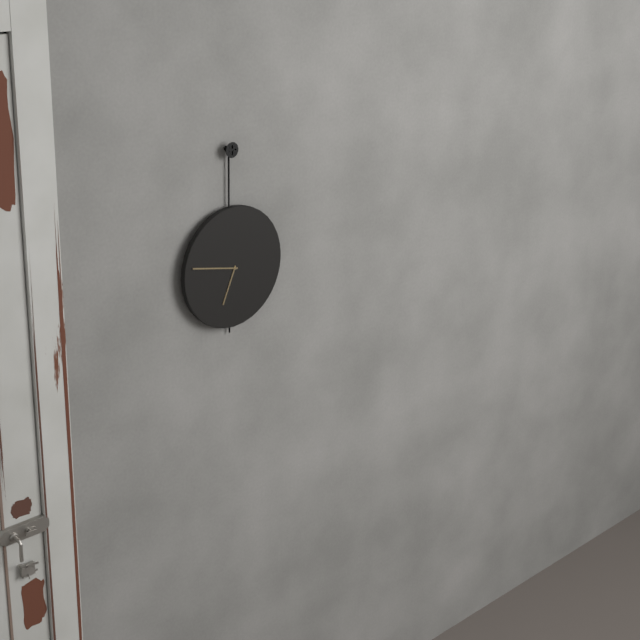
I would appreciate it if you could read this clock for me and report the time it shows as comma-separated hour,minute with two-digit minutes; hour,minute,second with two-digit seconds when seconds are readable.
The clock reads 6,47
